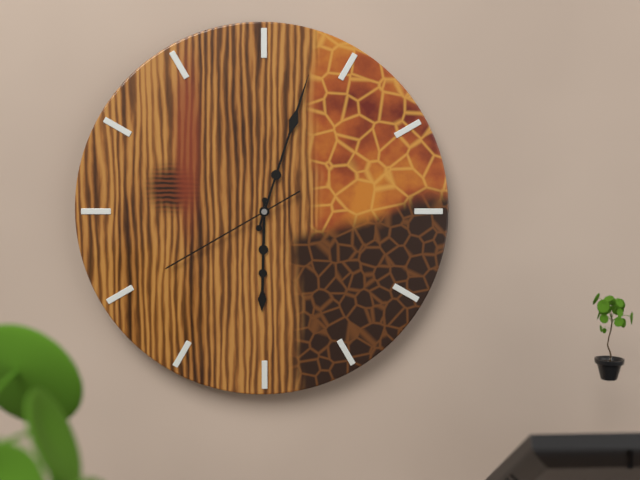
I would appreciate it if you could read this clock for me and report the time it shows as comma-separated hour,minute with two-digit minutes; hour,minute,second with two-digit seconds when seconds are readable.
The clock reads 6,03,40
